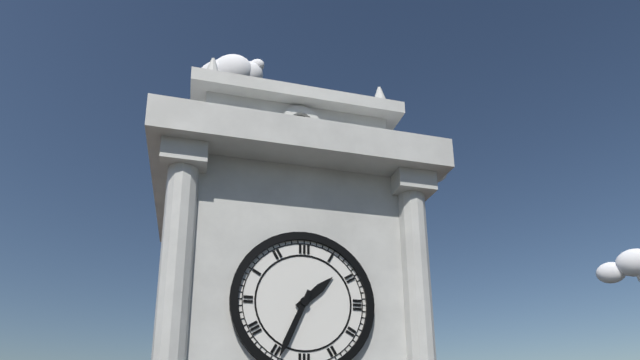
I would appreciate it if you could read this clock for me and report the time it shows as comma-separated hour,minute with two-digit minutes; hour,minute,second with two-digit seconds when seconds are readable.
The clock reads 1,34
